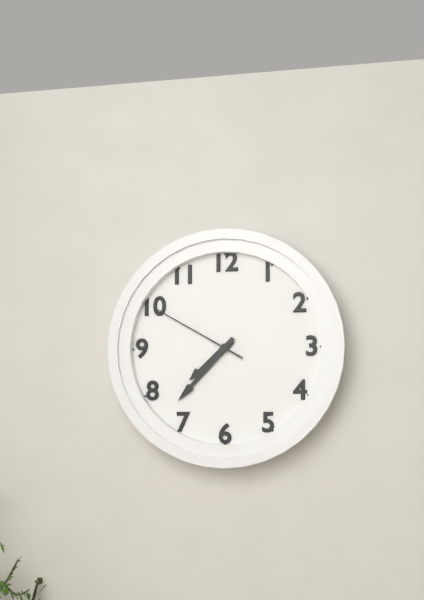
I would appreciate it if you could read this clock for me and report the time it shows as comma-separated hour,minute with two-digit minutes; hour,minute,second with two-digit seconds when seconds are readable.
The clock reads 7,37,50
